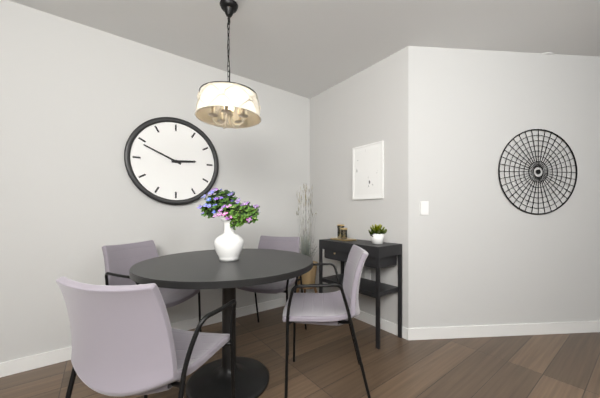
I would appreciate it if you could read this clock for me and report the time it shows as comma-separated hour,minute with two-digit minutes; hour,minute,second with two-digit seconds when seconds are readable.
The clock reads 2,49
